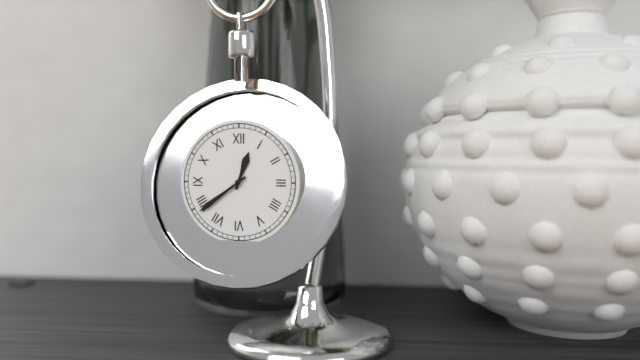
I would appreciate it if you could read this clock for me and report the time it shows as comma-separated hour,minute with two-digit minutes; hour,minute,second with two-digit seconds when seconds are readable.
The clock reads 12,39
